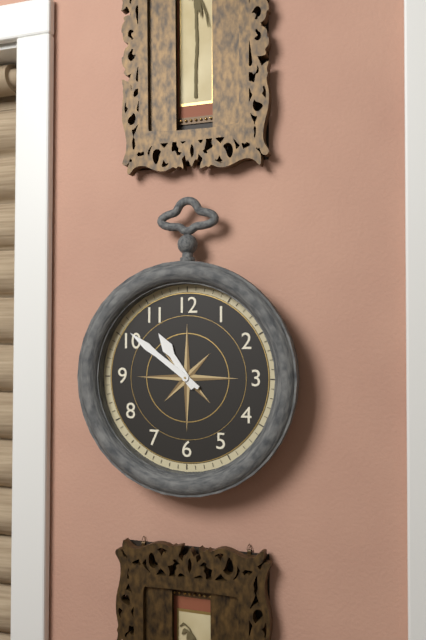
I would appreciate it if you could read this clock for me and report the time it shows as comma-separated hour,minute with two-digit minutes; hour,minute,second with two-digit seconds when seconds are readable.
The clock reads 10,51
